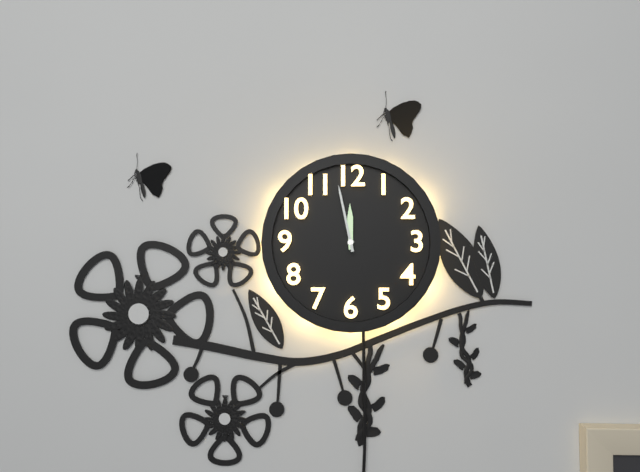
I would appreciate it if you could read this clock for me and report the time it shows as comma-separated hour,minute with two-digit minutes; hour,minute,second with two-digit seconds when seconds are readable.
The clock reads 11,58
